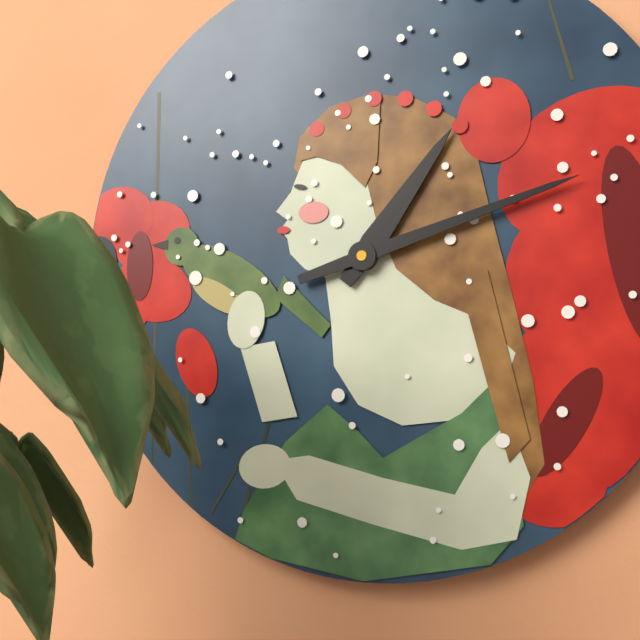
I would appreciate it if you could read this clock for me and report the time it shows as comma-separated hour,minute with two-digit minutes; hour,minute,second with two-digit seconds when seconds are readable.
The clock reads 1,12
